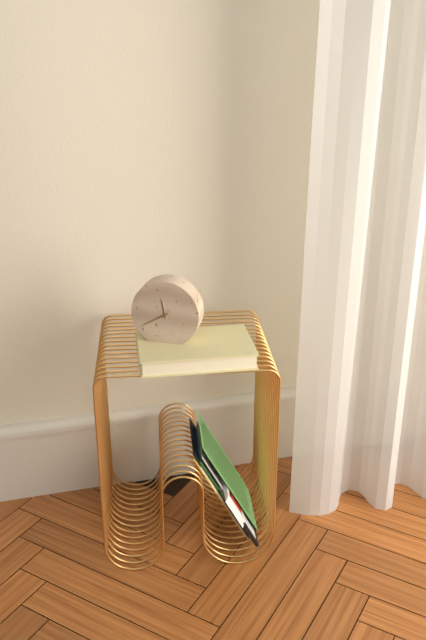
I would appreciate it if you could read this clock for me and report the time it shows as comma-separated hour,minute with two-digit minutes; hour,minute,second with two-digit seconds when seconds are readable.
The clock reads 11,40
